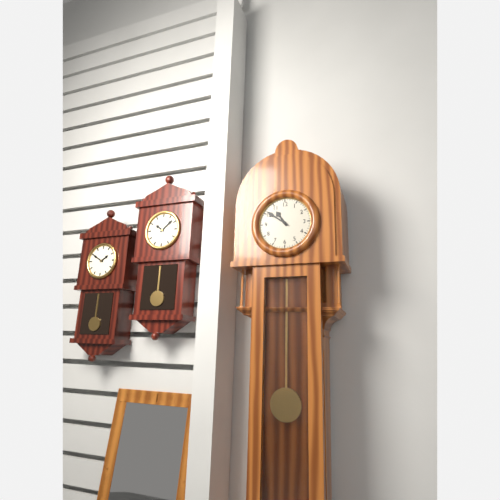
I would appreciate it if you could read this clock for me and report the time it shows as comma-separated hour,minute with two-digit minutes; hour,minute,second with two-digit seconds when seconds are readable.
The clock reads 10,51
